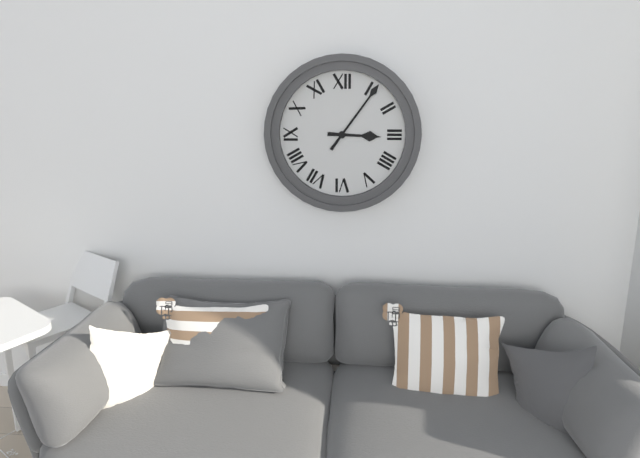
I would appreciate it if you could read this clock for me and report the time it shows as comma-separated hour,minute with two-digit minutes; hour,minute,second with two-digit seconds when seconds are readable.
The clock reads 3,06
